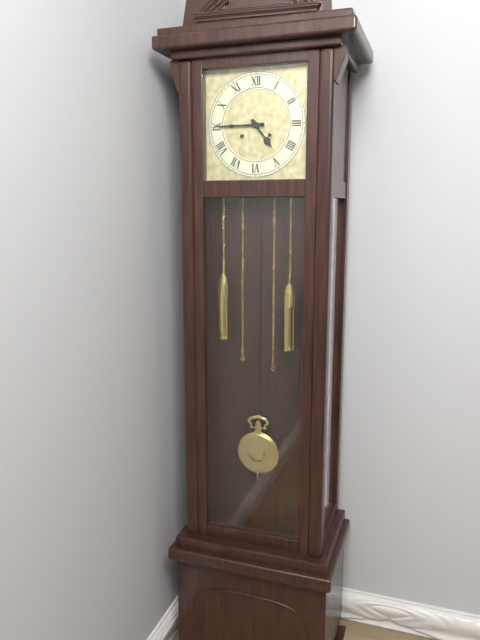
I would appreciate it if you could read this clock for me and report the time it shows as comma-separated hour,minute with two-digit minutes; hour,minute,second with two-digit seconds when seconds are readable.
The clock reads 4,45
